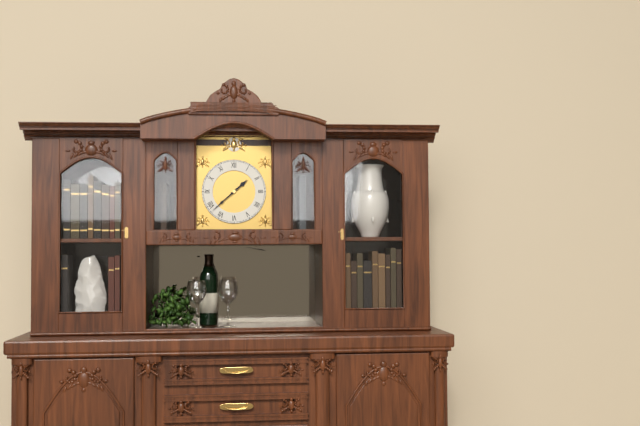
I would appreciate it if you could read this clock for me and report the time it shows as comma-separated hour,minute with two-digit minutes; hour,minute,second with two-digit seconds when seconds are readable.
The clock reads 1,38
